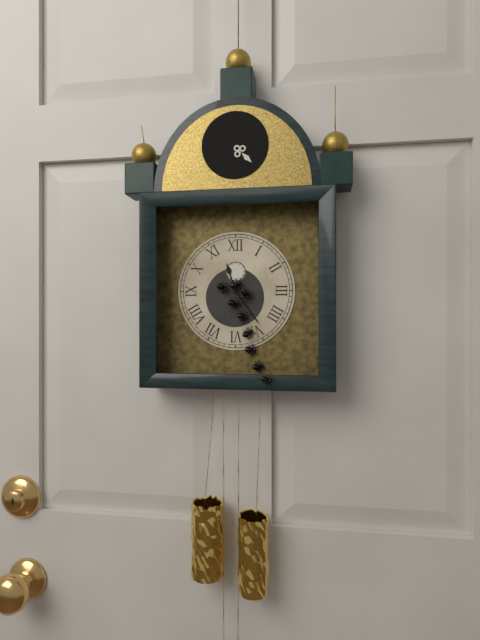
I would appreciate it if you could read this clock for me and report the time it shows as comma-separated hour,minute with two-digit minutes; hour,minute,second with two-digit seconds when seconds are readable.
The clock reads 11,24
